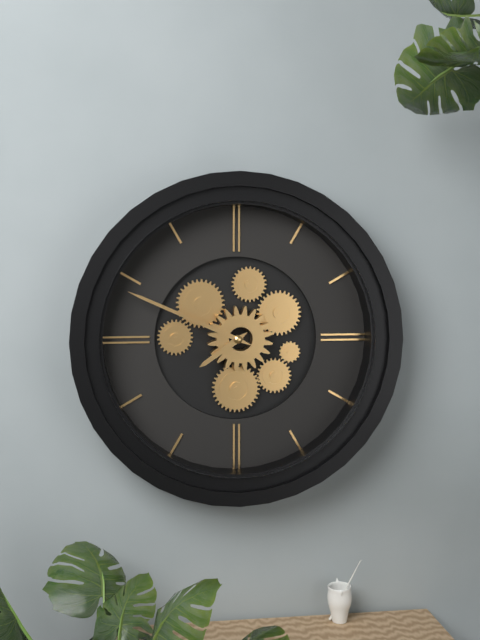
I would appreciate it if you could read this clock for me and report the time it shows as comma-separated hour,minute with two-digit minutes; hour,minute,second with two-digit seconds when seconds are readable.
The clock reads 7,49
